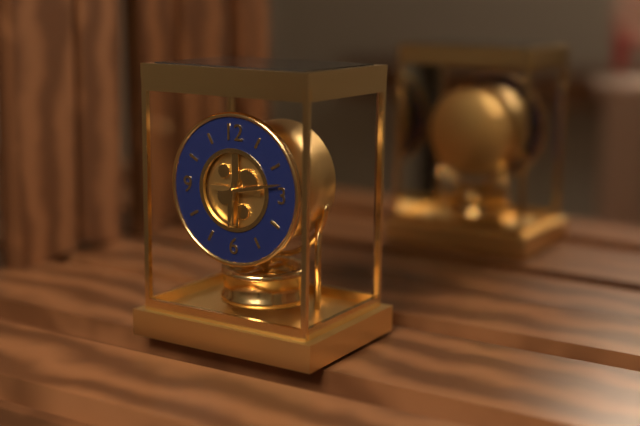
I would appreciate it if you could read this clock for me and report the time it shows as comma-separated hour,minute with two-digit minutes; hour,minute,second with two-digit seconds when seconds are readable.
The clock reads 6,13
